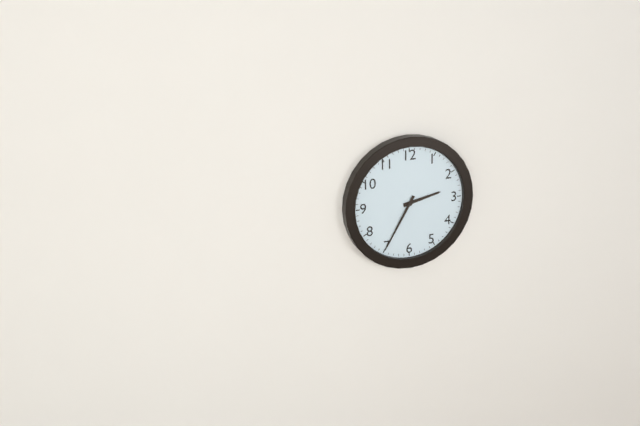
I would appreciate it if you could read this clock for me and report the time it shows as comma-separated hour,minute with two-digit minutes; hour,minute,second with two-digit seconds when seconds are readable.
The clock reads 2,35
